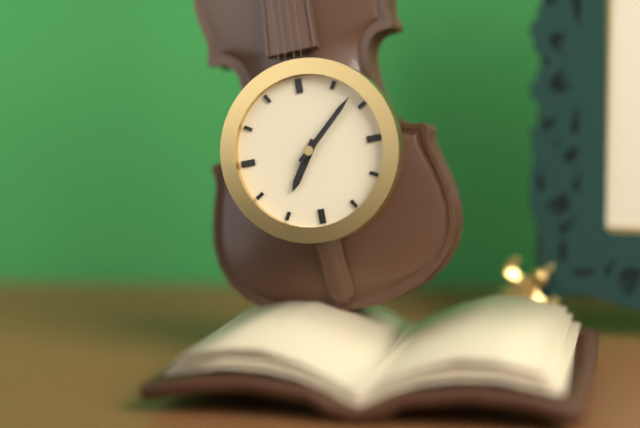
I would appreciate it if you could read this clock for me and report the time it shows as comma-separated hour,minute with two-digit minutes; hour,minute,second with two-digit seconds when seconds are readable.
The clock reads 7,08
